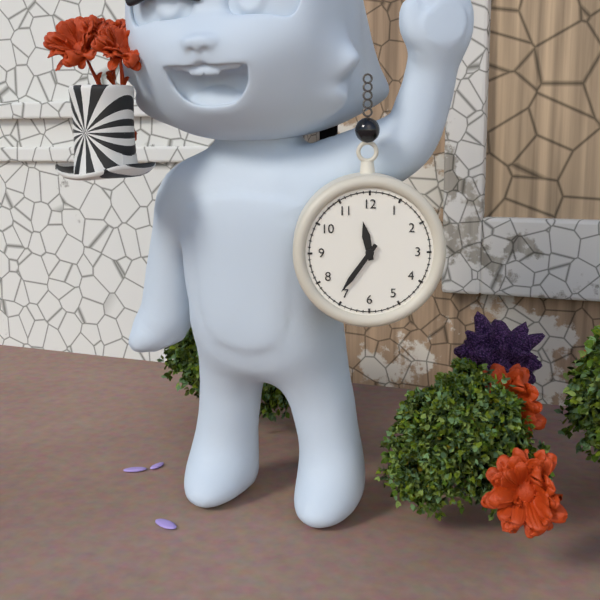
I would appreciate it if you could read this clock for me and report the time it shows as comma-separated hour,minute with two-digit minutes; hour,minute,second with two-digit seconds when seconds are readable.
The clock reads 11,36
